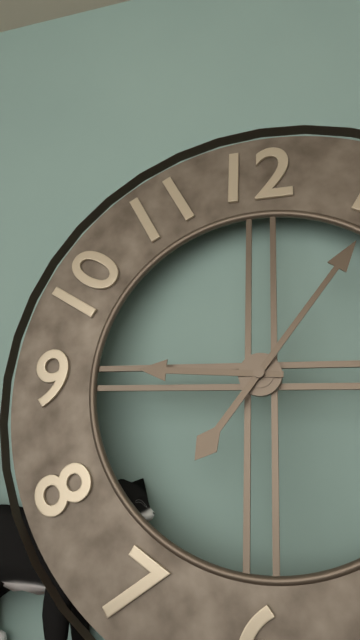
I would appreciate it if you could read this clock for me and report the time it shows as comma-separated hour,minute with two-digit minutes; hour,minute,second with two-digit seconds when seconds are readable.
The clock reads 9,06
